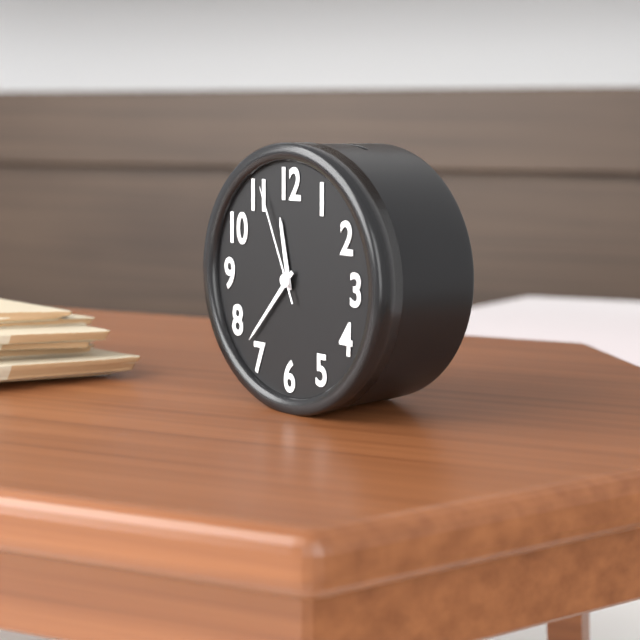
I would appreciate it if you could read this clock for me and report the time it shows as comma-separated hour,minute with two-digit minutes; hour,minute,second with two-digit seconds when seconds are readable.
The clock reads 11,37,56
